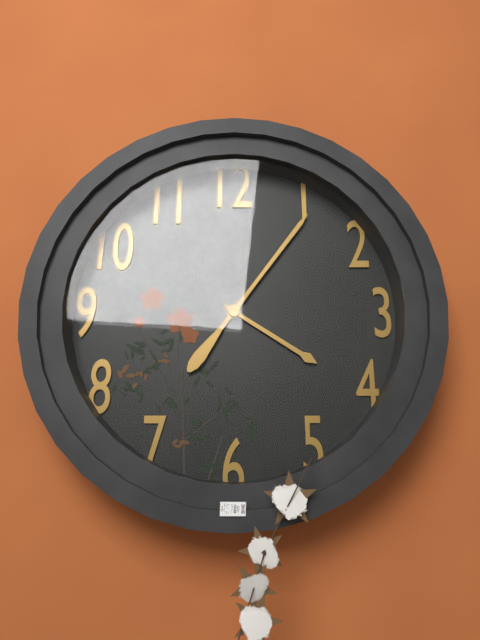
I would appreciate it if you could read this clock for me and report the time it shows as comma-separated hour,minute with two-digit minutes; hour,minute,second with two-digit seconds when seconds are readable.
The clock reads 4,06
